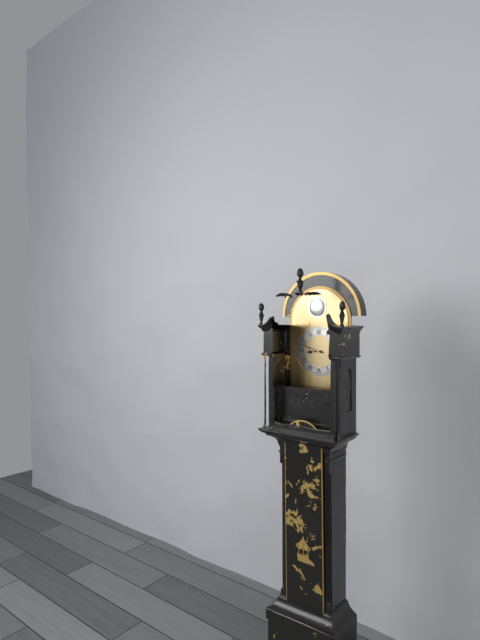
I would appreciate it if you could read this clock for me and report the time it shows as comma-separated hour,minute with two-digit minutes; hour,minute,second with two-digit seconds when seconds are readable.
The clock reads 8,48
